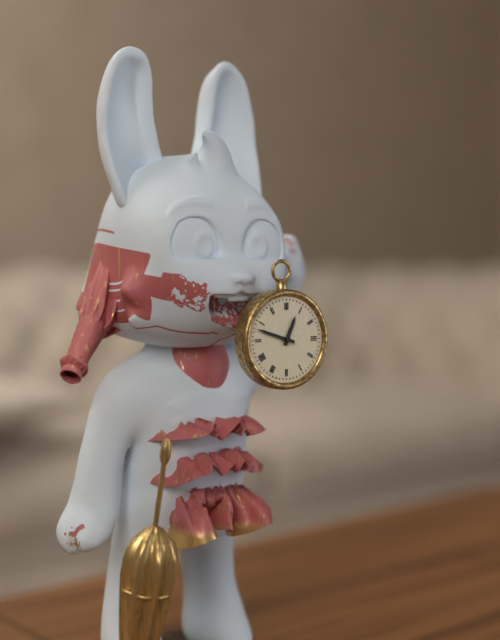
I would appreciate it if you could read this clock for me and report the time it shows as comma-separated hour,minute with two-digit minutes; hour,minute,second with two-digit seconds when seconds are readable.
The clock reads 12,48
